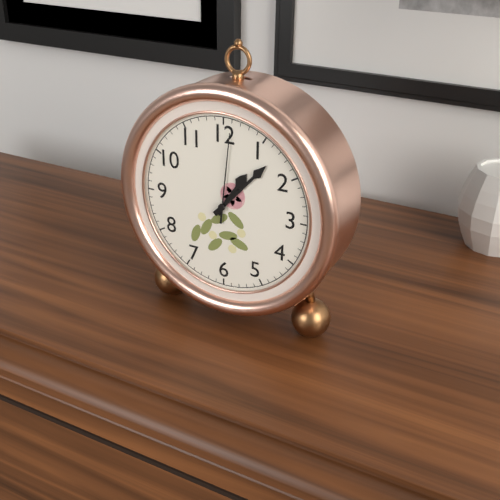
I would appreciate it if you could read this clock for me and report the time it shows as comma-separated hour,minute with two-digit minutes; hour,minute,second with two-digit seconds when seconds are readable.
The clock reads 1,07,01
